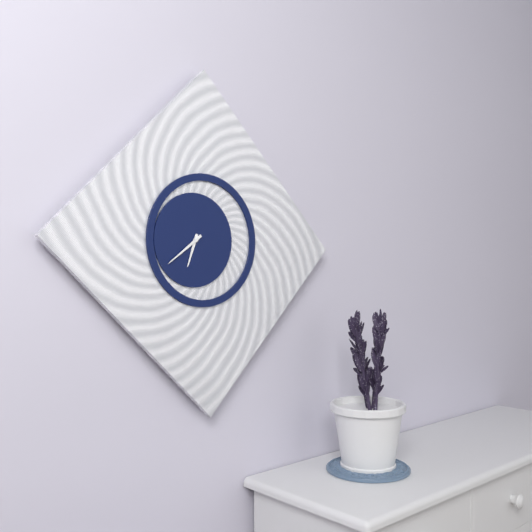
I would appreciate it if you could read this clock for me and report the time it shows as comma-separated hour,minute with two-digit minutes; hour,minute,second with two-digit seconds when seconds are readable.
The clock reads 6,39
